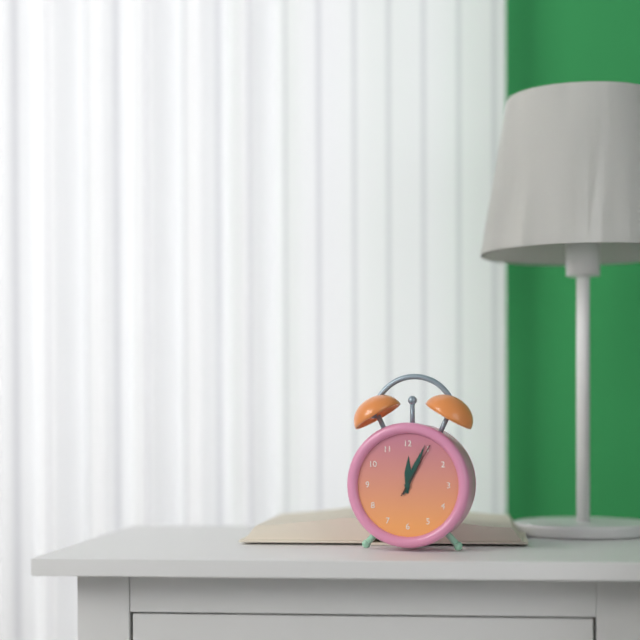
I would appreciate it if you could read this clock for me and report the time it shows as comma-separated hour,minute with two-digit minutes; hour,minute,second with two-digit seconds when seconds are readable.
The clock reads 12,04,05
